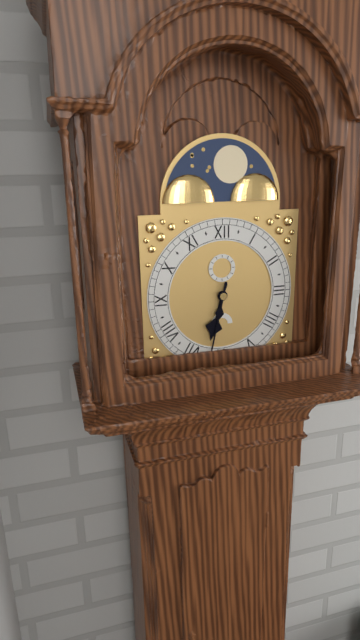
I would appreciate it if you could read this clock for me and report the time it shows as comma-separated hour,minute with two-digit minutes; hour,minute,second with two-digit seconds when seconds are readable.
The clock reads 6,32
